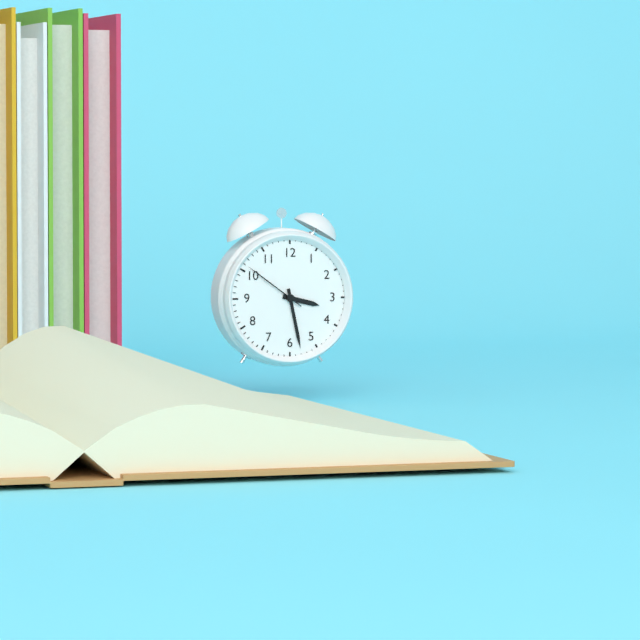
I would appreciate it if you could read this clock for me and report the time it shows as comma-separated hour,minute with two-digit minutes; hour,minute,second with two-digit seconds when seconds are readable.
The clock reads 3,28,51
